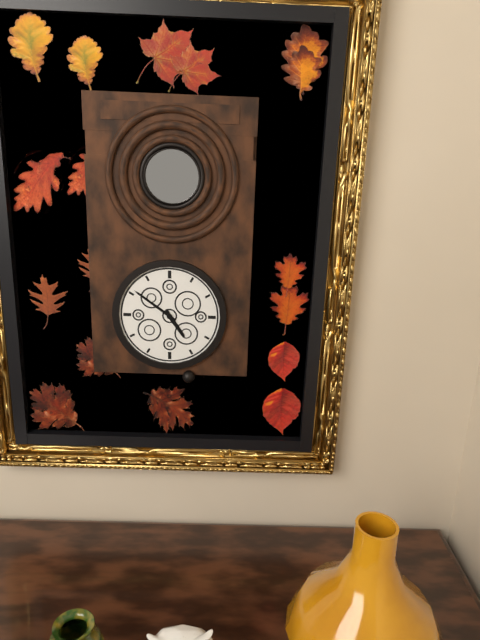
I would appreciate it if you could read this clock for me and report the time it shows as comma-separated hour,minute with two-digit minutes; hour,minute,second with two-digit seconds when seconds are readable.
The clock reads 4,51
